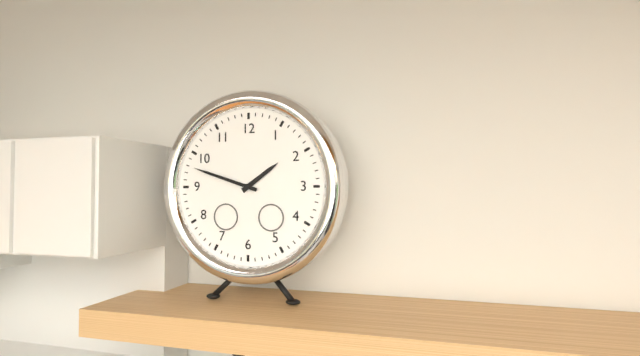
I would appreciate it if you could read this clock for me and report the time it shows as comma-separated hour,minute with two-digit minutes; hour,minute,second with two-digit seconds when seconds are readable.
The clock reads 1,48
